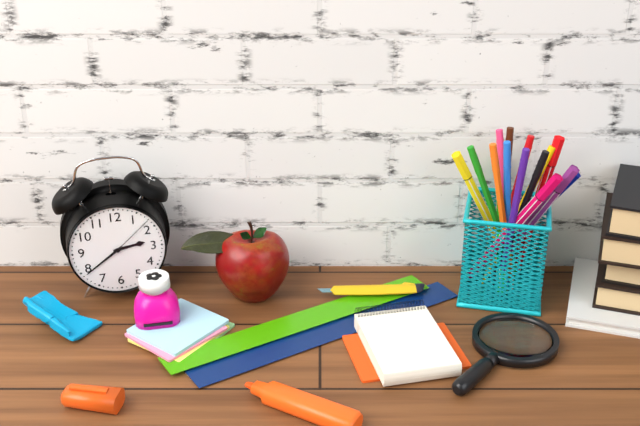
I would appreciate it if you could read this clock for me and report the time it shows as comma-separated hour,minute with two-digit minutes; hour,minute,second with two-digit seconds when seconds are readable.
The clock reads 2,39,08
